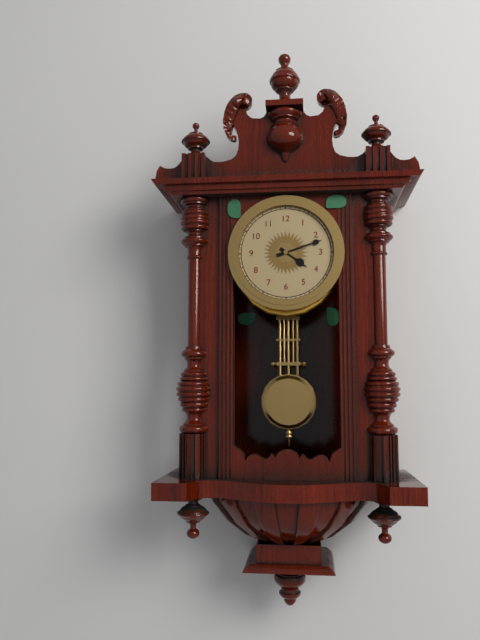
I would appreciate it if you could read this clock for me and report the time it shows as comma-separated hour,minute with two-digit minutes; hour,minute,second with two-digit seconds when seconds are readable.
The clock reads 4,12
